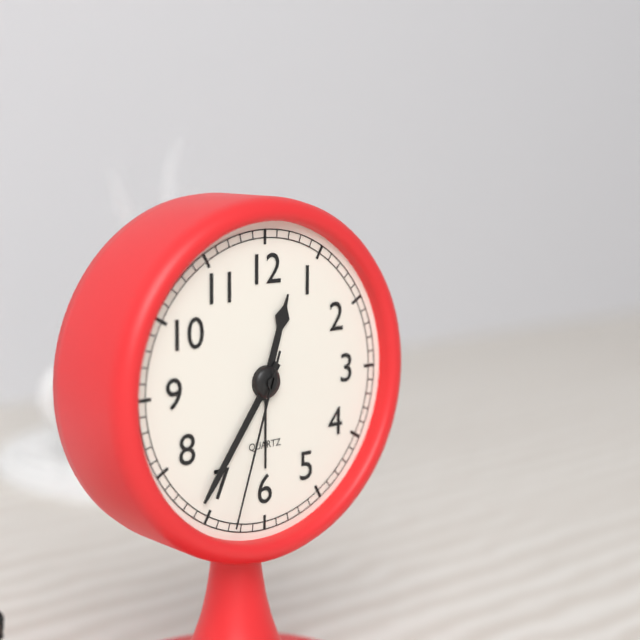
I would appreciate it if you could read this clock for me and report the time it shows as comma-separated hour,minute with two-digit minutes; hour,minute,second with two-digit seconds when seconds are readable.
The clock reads 12,36,33
